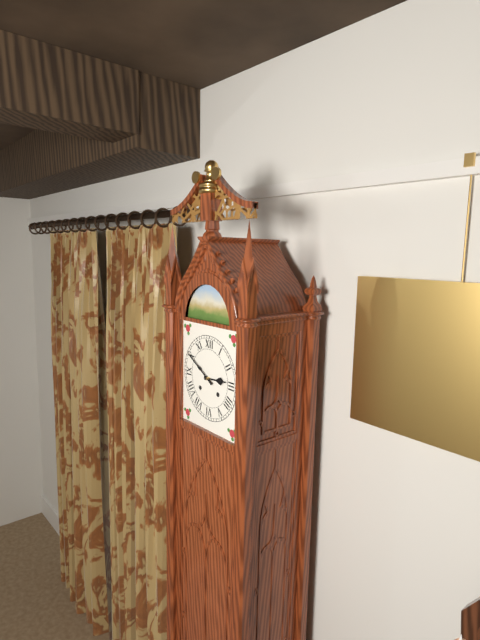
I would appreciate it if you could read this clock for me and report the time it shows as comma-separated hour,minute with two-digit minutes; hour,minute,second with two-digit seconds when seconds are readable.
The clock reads 2,50
